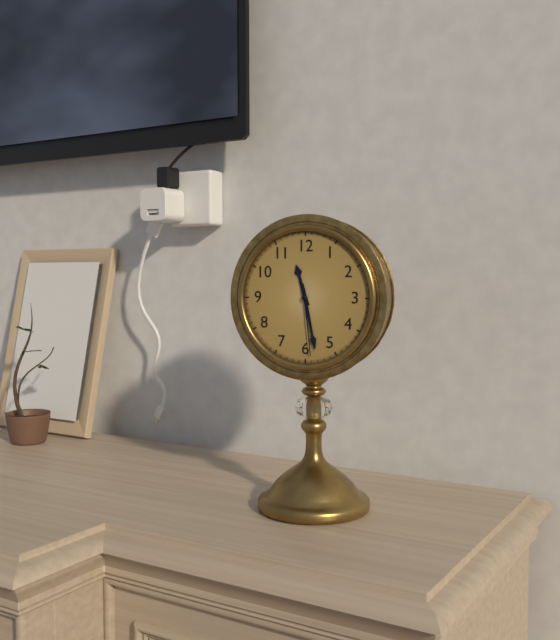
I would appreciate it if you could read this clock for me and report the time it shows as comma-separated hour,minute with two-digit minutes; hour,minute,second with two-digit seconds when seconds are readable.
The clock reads 11,28,29
